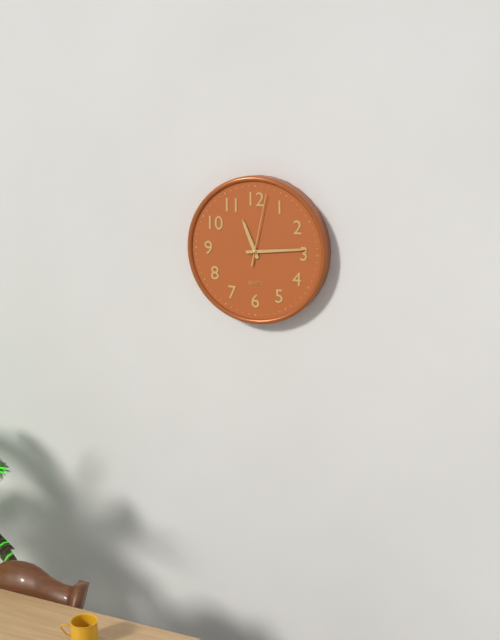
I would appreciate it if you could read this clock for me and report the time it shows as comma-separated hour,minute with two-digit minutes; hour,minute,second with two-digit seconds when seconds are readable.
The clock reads 11,14,02
